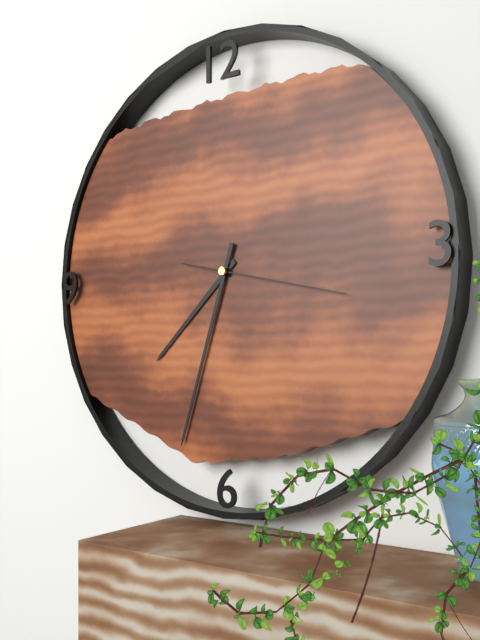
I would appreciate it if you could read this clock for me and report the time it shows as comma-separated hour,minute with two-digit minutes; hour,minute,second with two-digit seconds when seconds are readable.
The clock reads 7,33,17
